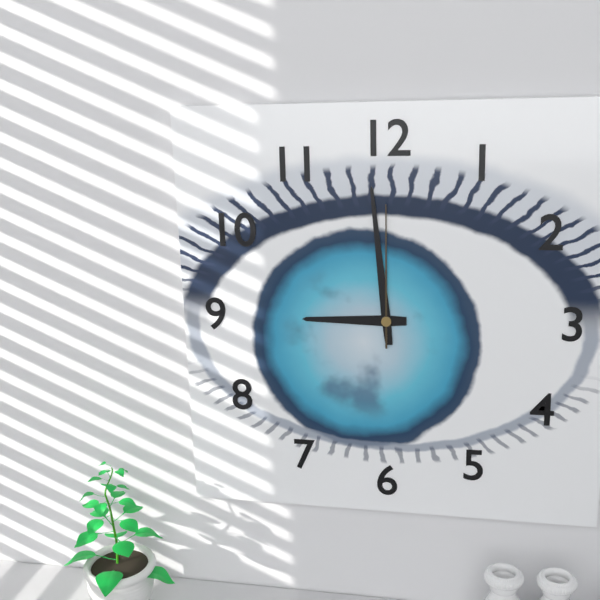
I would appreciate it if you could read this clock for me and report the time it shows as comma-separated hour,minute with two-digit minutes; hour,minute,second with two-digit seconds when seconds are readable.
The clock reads 8,59,00
